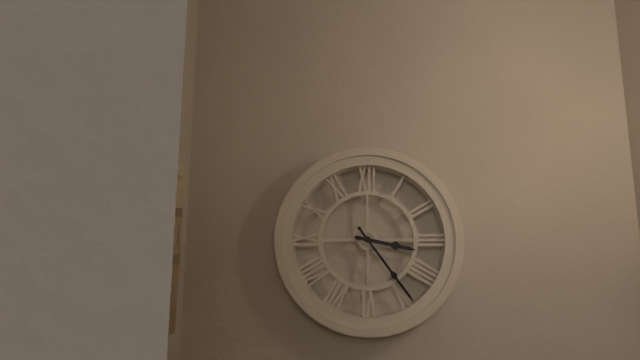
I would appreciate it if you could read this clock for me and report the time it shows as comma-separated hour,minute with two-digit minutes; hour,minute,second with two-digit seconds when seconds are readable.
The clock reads 3,24
